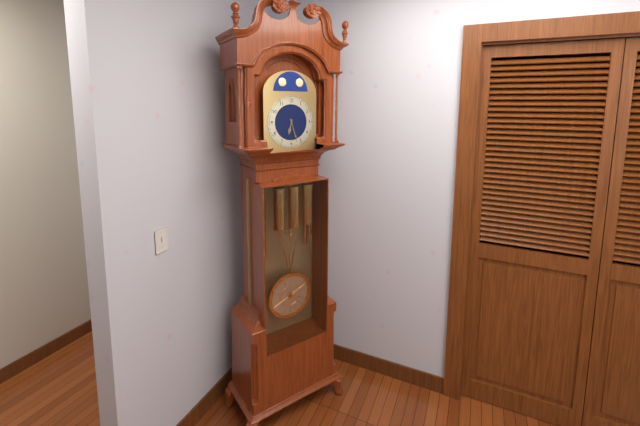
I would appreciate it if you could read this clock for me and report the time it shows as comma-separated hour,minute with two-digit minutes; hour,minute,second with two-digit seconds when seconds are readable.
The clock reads 6,27
